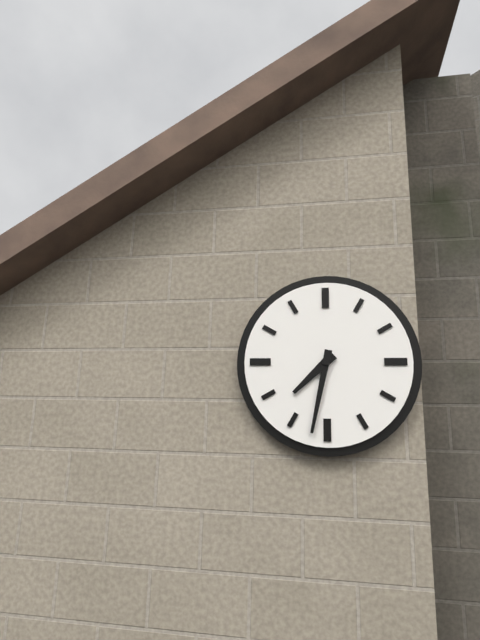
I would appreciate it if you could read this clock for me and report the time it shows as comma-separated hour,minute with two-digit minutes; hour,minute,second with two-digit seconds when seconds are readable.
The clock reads 7,32
